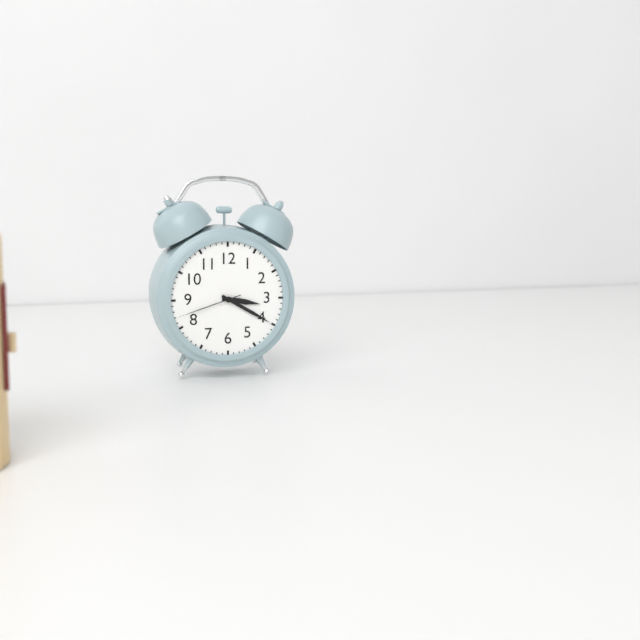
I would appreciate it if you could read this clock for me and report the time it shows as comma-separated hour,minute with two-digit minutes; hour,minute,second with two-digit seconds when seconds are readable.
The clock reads 3,20,42
